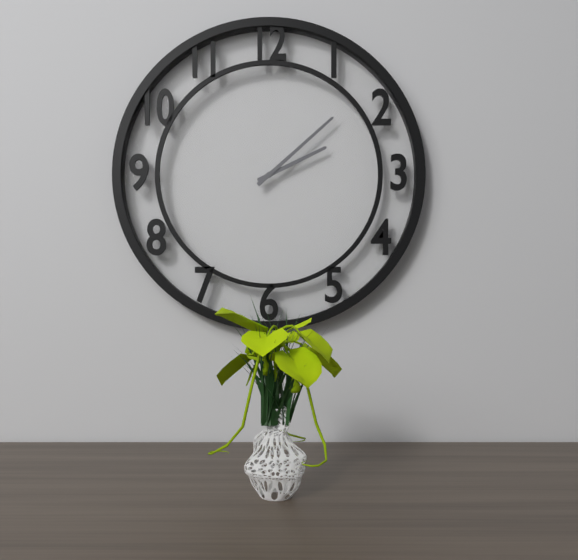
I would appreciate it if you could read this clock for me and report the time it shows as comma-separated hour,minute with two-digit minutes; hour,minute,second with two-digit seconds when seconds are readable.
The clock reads 2,08
